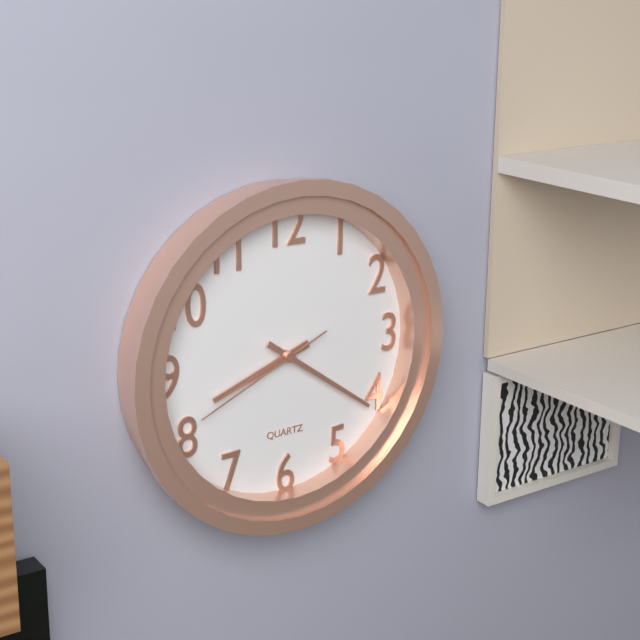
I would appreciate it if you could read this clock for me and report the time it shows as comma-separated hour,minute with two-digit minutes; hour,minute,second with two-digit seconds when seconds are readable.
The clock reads 8,21,41
